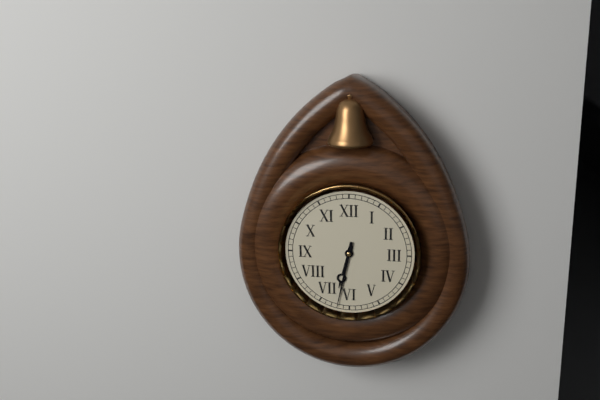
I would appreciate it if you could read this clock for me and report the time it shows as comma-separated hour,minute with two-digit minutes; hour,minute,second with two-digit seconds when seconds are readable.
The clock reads 6,32
